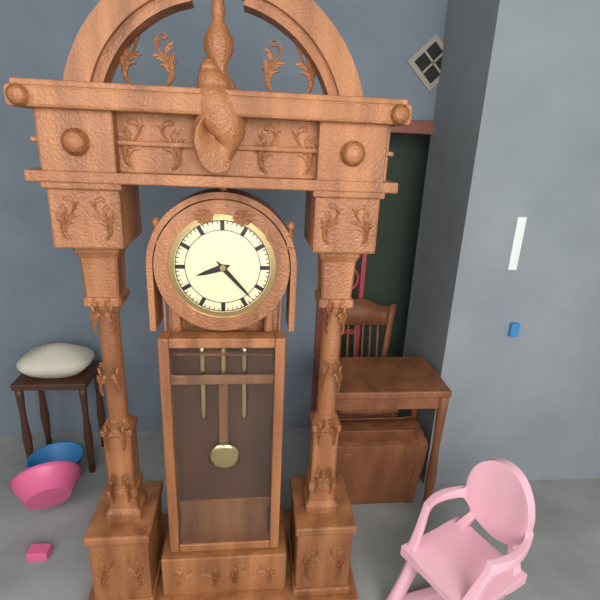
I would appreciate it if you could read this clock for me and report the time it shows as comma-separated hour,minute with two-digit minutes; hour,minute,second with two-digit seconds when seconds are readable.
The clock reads 8,23
